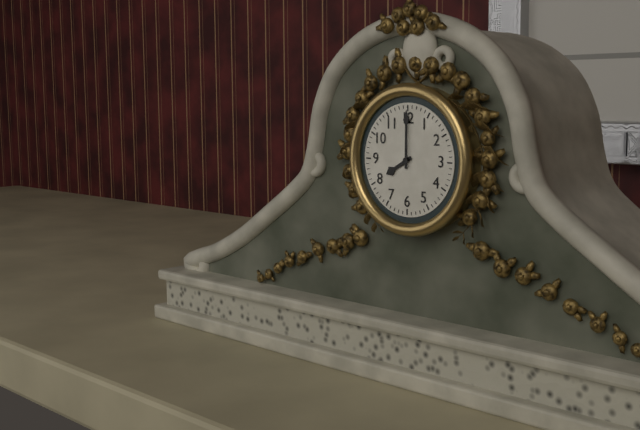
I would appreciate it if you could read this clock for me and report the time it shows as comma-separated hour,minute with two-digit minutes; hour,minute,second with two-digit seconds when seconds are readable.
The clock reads 8,00
